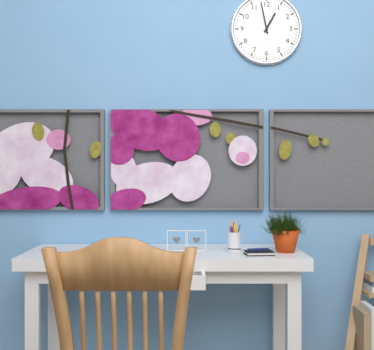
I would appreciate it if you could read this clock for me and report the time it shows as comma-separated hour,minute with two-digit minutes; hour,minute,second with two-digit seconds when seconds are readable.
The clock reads 12,58
